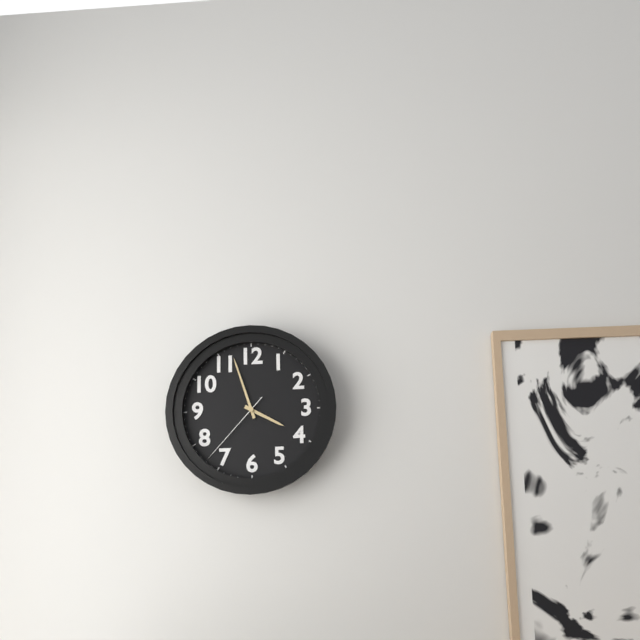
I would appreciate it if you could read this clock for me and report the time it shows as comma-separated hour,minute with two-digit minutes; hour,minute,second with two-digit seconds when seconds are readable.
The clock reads 3,57,37
